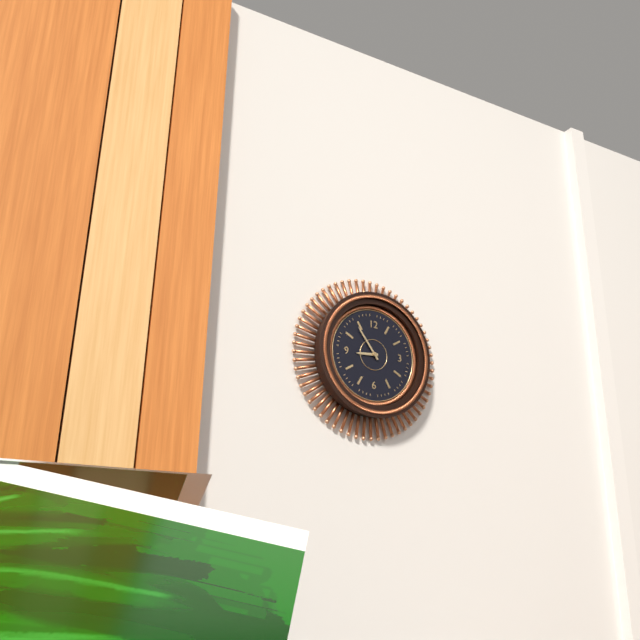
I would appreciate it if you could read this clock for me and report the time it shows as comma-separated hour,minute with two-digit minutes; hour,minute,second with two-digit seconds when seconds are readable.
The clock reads 8,54
